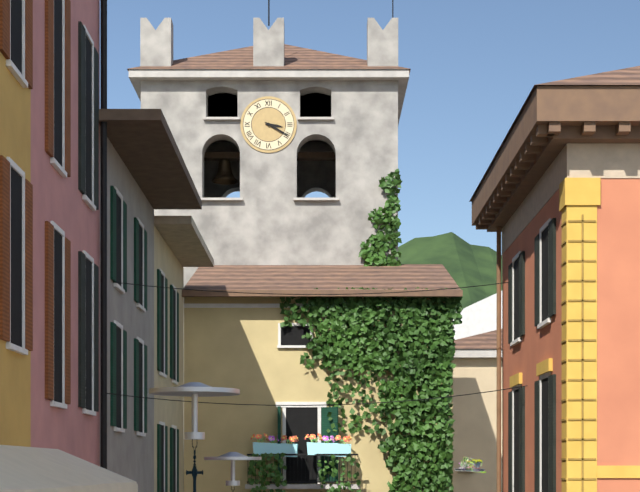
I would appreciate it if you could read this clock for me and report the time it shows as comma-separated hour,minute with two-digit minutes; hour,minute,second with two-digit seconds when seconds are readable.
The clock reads 3,20
